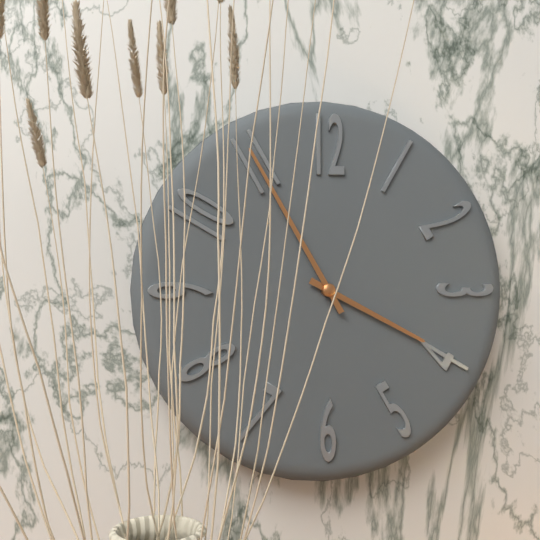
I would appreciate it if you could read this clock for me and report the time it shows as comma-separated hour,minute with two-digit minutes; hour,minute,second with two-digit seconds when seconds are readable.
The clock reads 3,55
